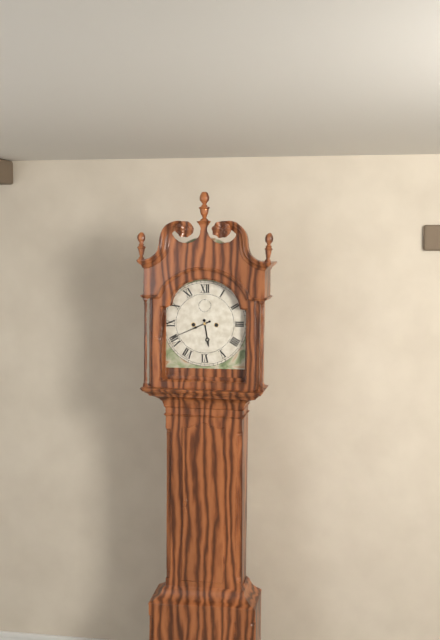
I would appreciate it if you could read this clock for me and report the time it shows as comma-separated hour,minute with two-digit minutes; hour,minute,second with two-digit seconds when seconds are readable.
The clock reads 5,41
